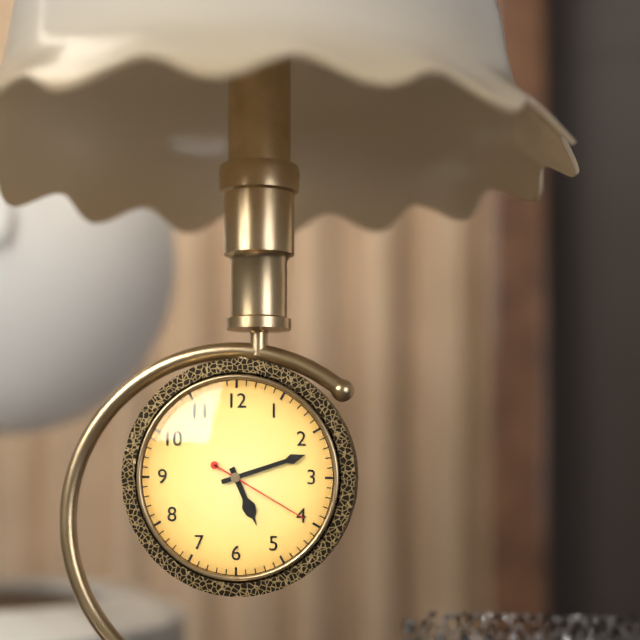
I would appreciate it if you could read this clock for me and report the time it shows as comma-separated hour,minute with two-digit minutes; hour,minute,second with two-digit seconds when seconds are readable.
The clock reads 5,12,20
